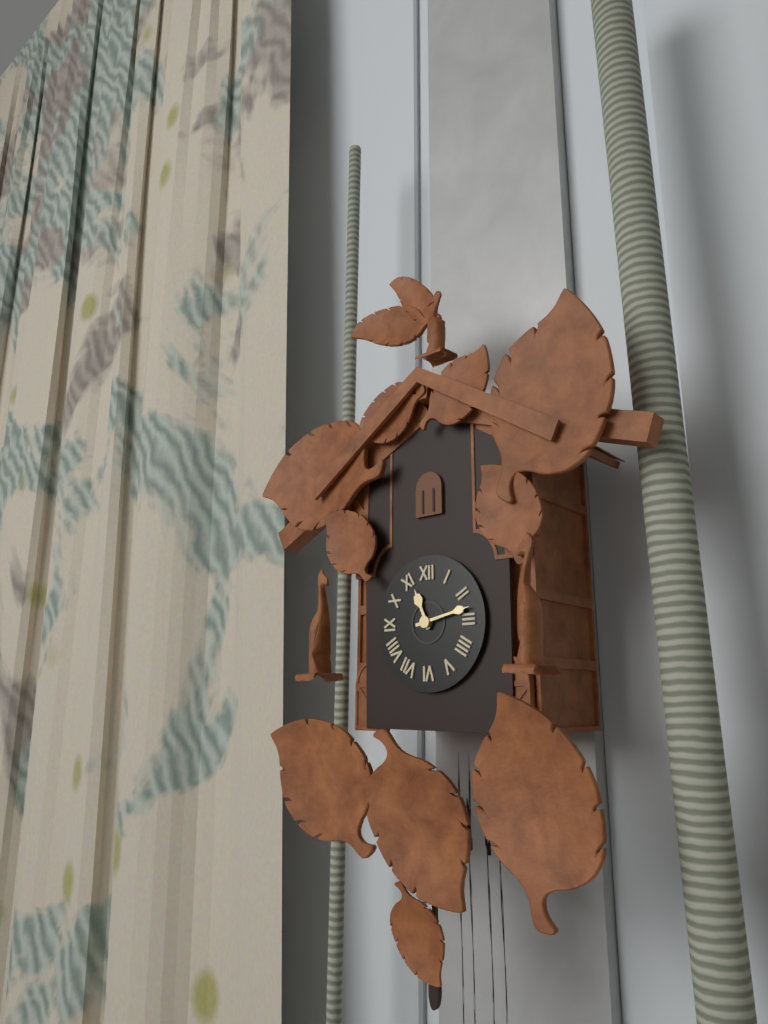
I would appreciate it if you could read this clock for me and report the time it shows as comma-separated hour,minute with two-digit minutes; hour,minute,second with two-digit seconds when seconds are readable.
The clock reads 11,13
